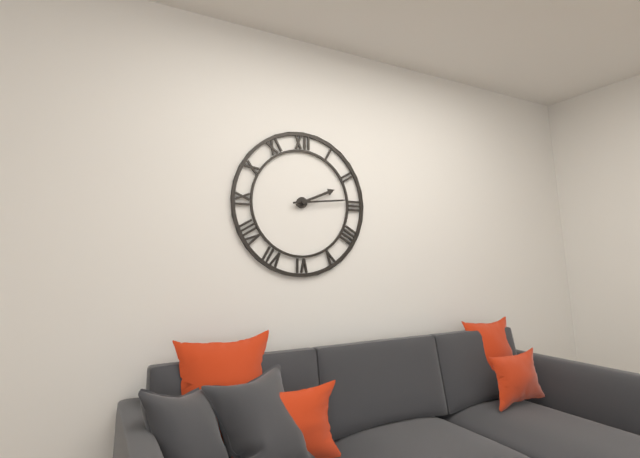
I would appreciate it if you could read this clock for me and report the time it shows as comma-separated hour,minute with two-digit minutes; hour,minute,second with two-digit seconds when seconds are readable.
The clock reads 2,14
